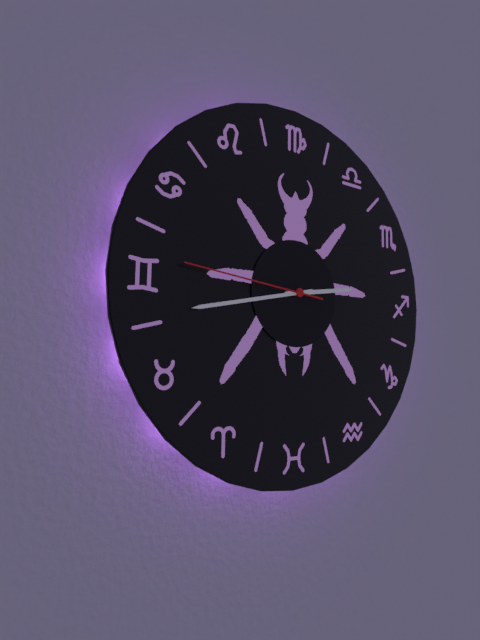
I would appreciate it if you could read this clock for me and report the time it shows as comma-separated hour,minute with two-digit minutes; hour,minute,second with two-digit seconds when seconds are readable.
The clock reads 2,43,46
